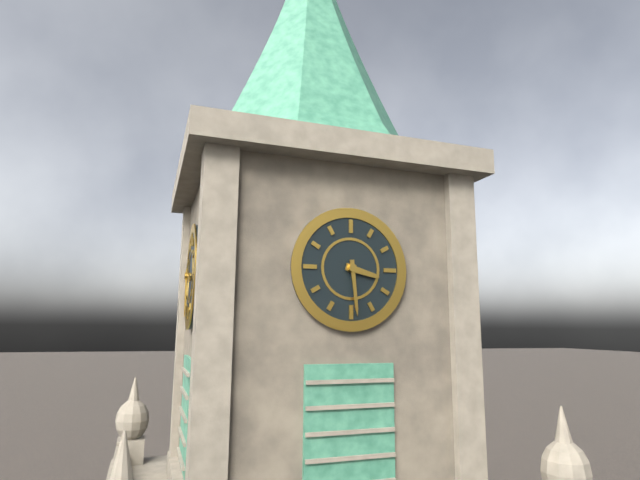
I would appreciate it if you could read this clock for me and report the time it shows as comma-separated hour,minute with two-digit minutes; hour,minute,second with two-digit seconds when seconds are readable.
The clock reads 3,29
